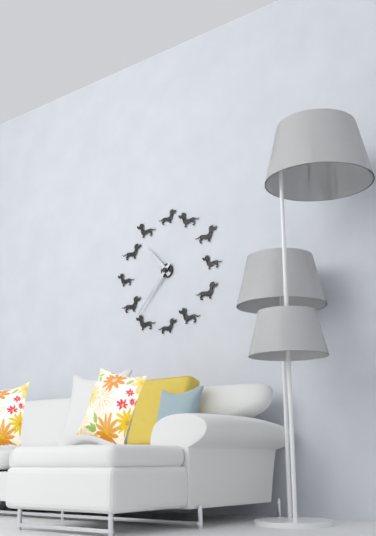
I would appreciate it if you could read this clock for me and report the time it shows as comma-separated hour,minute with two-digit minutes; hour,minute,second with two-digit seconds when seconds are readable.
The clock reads 10,37
